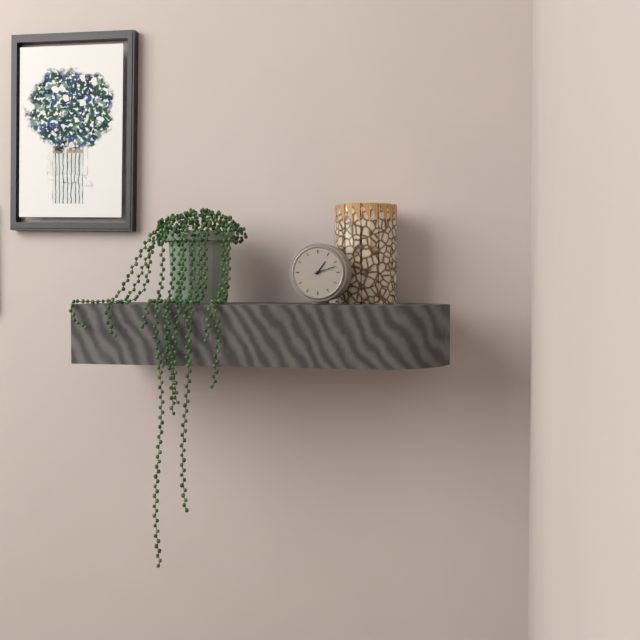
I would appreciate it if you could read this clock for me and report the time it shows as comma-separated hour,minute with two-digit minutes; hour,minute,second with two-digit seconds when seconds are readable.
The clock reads 1,12
